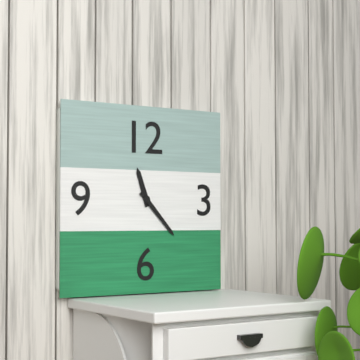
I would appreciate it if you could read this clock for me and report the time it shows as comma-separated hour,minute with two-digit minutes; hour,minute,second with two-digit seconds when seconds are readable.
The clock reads 11,23
